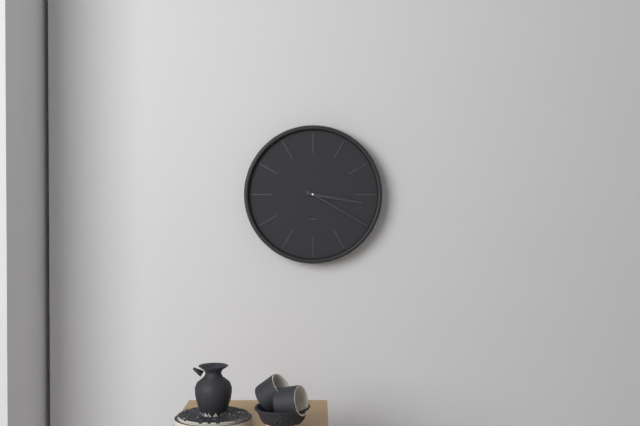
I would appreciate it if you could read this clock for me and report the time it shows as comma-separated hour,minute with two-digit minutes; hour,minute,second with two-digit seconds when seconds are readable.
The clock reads 3,20
